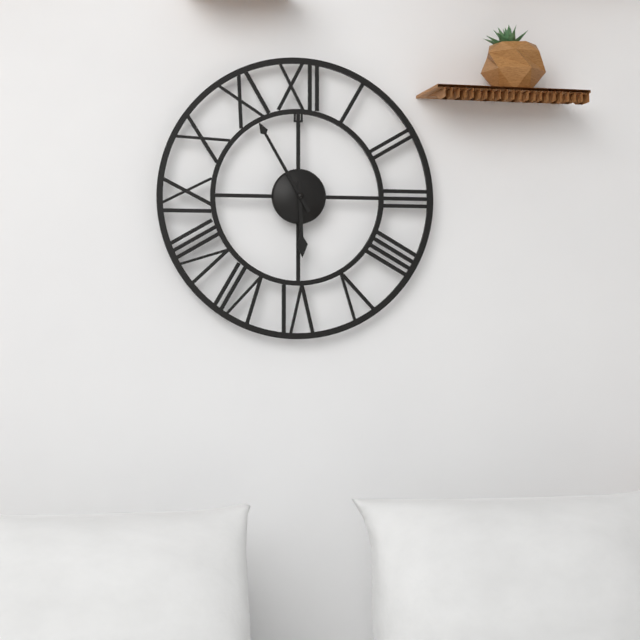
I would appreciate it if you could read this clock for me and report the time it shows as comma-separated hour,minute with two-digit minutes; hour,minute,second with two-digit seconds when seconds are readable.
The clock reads 5,55
